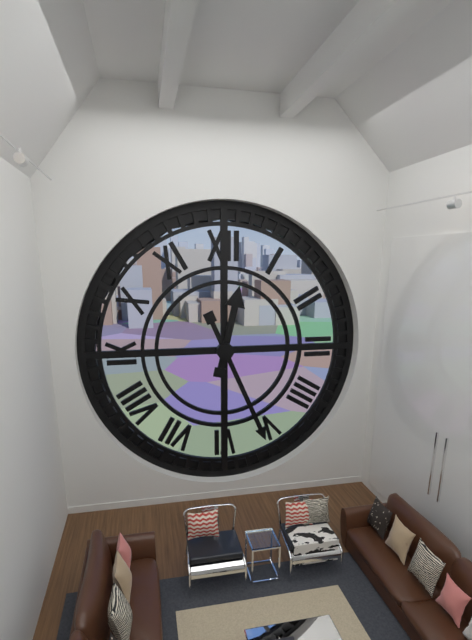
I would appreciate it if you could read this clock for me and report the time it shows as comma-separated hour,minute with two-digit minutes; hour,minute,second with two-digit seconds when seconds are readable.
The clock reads 12,26
